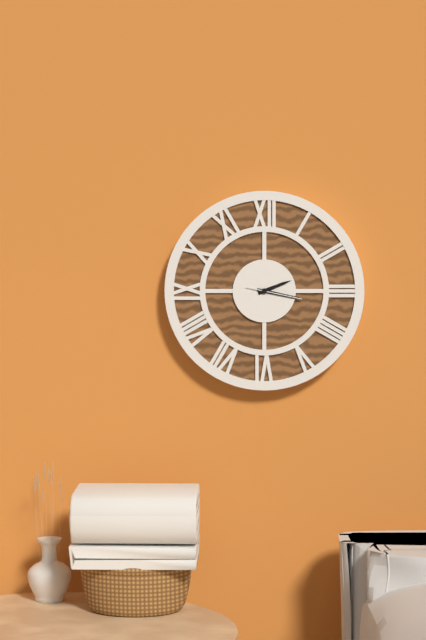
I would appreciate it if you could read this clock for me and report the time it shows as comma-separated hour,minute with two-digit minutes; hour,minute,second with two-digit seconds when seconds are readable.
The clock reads 2,17
